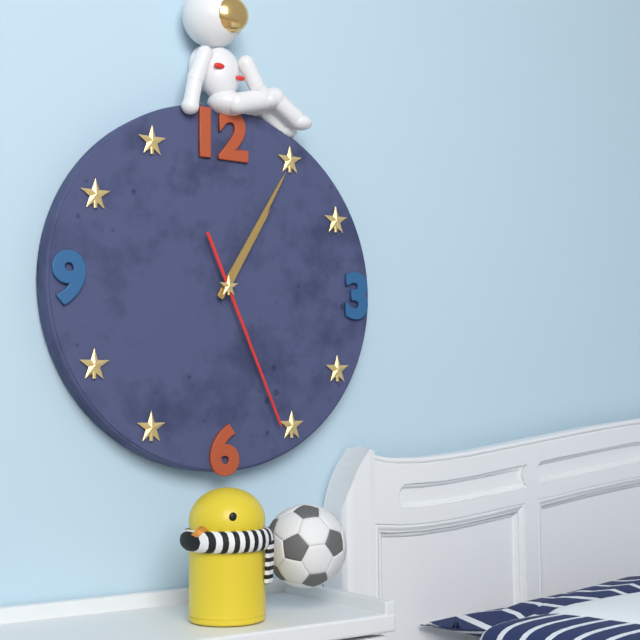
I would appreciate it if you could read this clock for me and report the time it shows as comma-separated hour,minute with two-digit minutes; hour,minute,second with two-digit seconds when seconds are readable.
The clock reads 1,05,26
